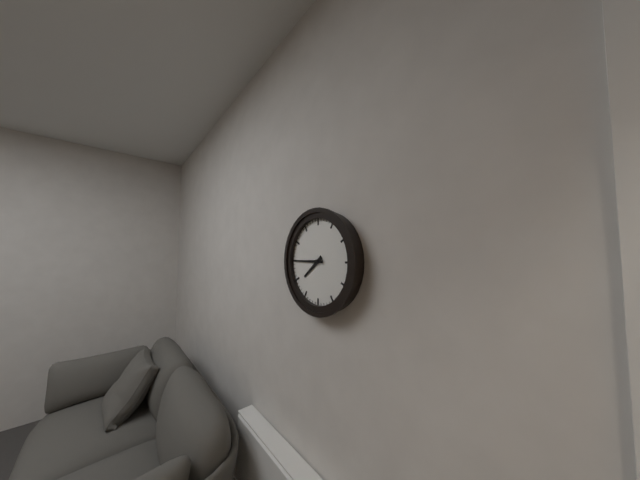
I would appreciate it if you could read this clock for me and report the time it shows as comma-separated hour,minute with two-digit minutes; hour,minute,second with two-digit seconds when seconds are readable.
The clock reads 7,45
